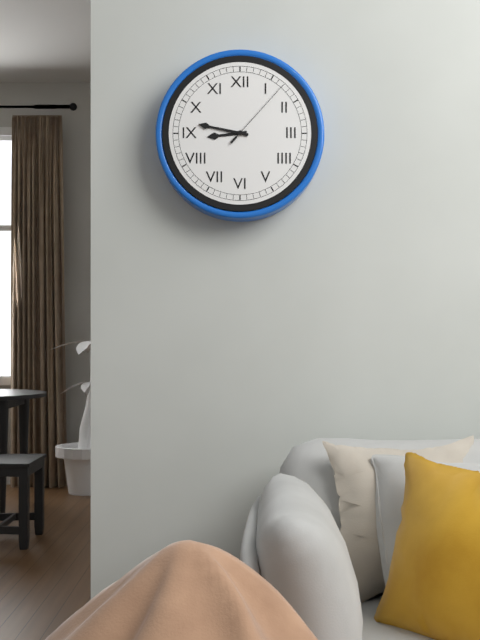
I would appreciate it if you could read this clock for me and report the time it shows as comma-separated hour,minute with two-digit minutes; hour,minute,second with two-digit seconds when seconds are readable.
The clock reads 8,47,07
